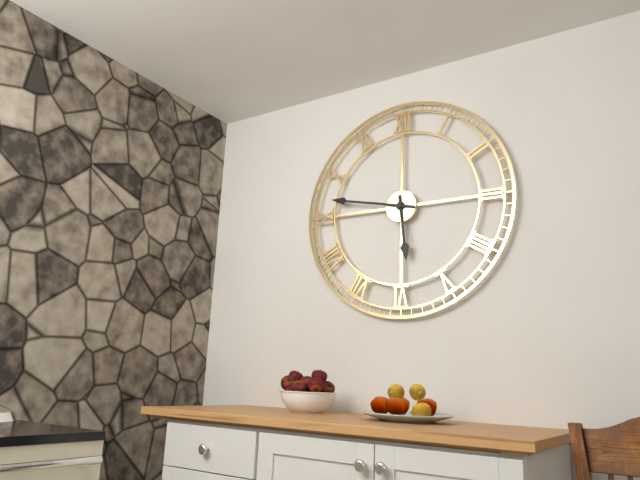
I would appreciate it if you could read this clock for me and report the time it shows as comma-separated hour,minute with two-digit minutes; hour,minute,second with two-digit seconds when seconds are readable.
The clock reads 5,47
